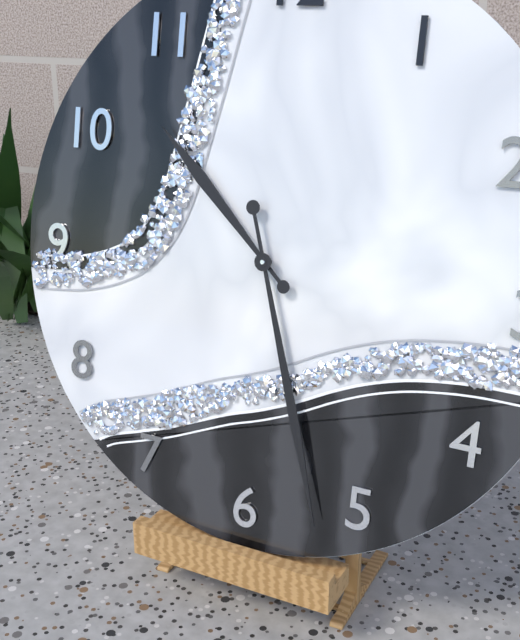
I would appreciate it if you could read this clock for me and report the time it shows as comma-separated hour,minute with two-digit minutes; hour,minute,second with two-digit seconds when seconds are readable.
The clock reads 10,27
